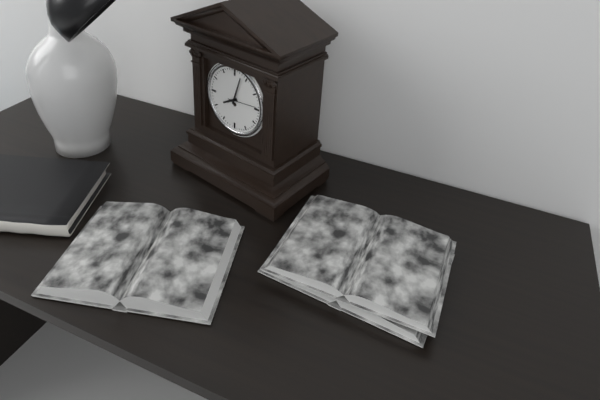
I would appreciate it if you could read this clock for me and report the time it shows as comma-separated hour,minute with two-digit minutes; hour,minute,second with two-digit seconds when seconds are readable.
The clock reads 8,03
